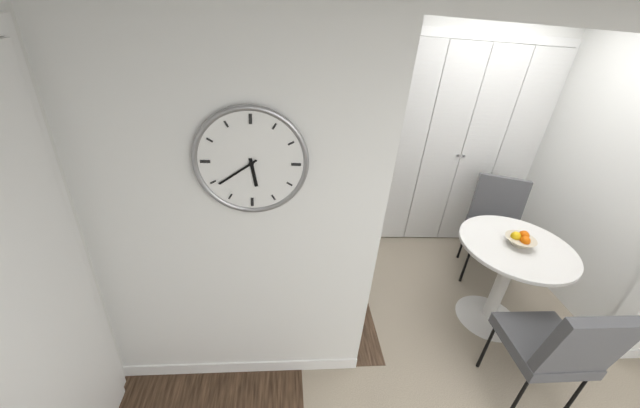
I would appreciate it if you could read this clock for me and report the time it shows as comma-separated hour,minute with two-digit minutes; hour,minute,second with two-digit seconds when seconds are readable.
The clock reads 5,39
